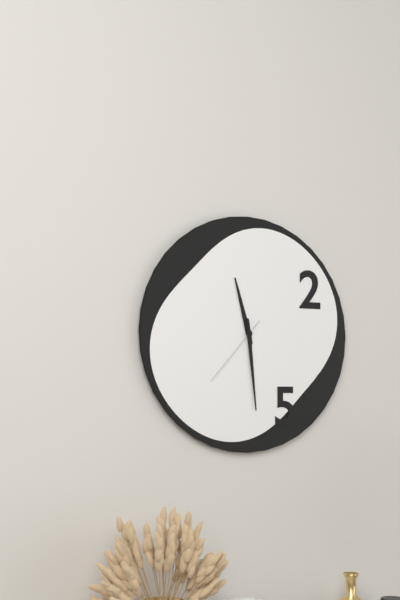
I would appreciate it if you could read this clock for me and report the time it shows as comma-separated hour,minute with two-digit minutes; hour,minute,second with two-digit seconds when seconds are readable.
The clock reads 11,29,37
